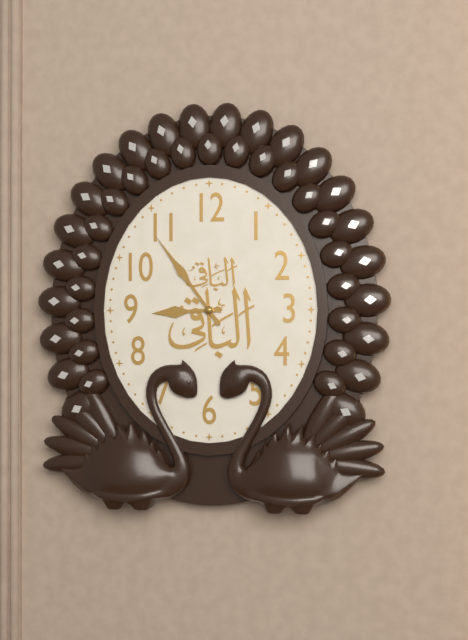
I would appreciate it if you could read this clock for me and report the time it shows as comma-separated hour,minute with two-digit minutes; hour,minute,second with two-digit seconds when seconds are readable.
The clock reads 8,54
